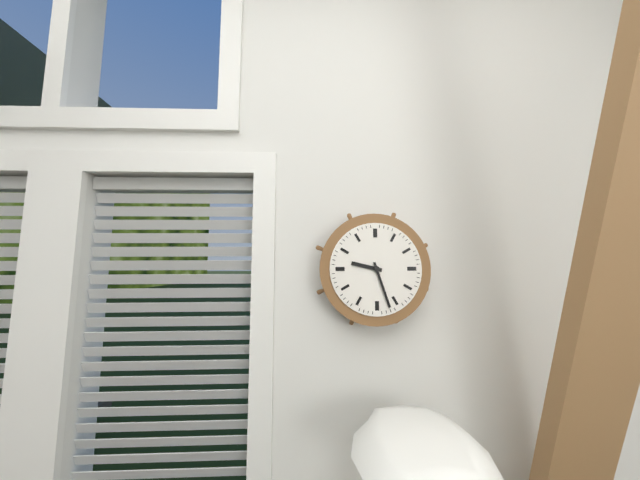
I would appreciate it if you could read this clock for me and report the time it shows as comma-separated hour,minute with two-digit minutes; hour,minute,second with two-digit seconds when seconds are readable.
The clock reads 9,27
